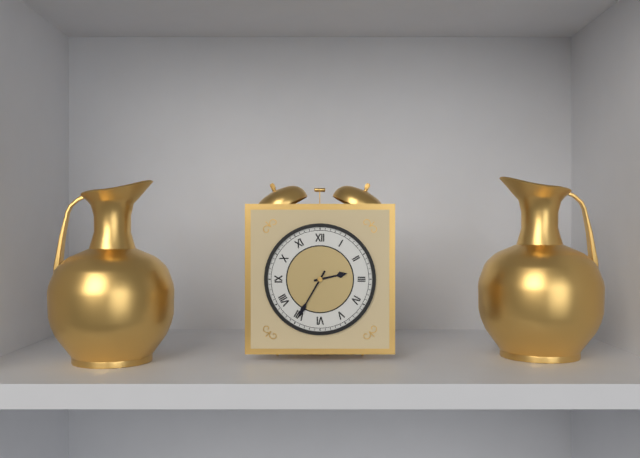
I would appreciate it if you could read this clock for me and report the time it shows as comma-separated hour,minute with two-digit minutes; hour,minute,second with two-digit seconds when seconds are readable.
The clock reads 2,35
